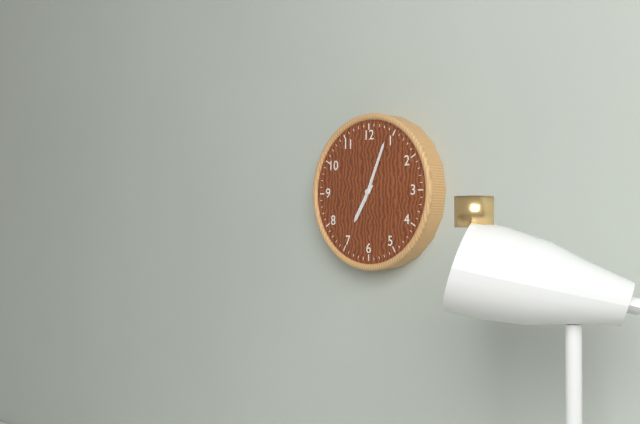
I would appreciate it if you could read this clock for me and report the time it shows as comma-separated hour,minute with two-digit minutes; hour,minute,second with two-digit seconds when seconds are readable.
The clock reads 7,04
